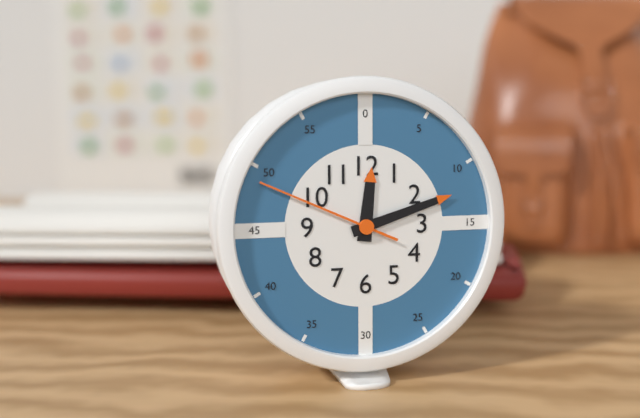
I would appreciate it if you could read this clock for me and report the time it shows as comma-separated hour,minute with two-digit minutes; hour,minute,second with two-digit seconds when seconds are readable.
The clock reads 12,12,49
